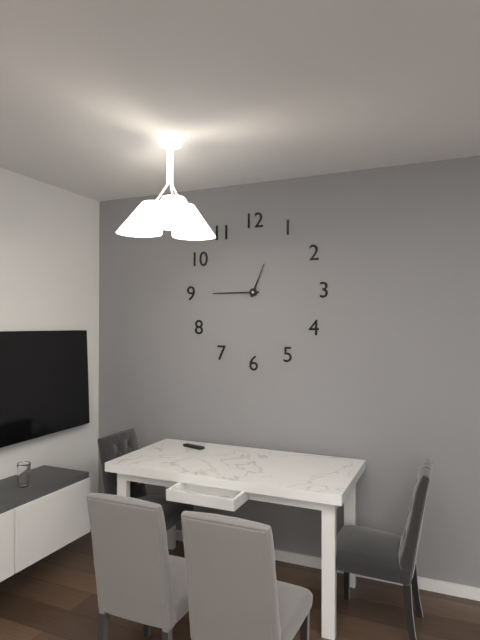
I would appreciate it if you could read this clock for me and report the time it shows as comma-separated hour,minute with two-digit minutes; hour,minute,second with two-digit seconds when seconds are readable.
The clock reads 12,45
